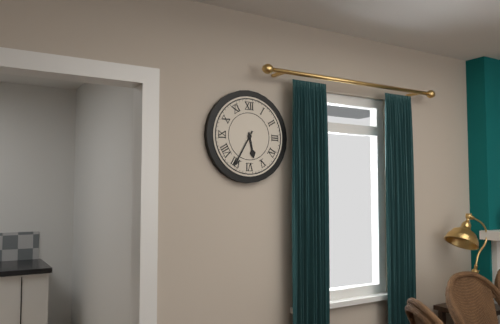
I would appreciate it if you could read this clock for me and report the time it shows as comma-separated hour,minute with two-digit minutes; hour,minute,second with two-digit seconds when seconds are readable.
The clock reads 5,35
